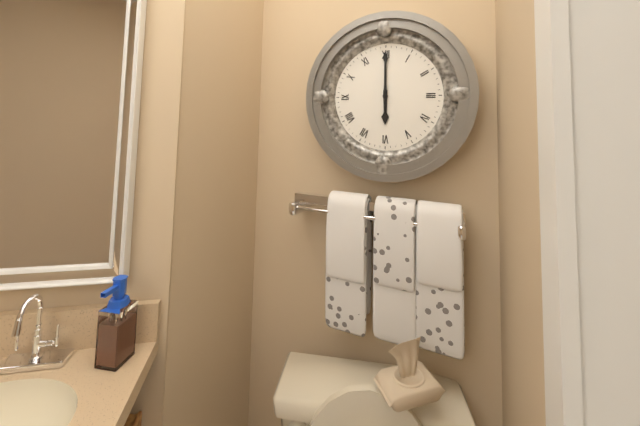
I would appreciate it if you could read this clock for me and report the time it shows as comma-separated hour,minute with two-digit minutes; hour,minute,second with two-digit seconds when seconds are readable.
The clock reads 6,00
